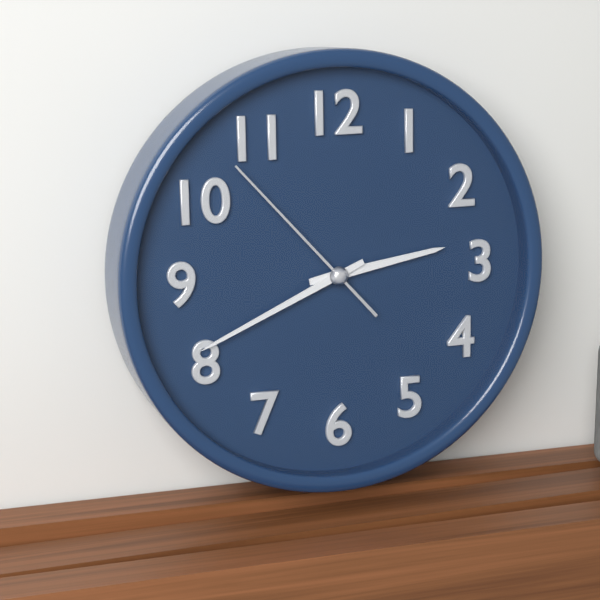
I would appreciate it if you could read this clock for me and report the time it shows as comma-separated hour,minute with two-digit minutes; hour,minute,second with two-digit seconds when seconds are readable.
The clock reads 2,41,53
